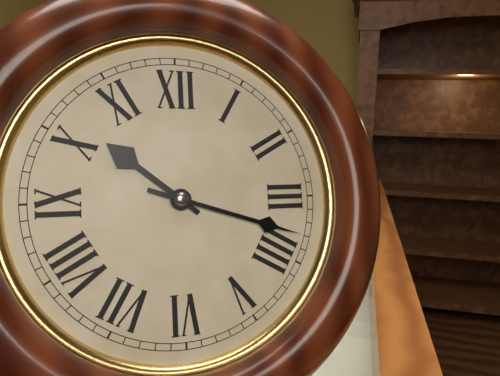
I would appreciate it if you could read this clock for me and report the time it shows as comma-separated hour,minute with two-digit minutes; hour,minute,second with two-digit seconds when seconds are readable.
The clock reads 10,18
